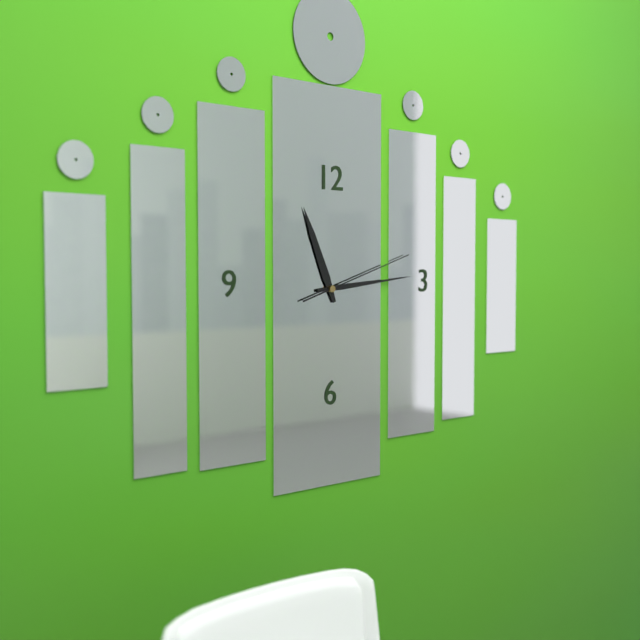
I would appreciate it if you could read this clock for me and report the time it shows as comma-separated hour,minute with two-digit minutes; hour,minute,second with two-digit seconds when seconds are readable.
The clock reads 11,14,12
